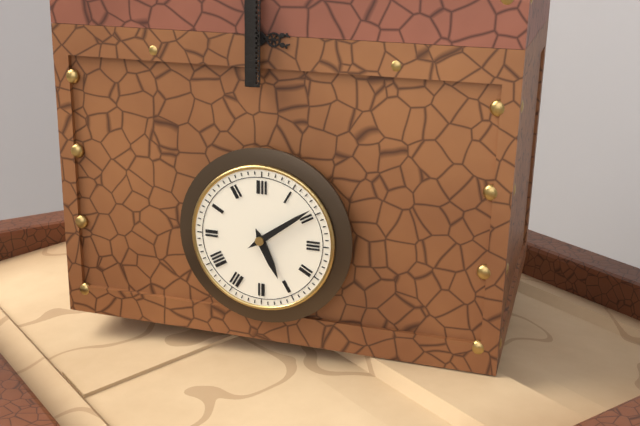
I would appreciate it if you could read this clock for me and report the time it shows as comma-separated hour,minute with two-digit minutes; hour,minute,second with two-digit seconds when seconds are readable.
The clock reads 5,09
